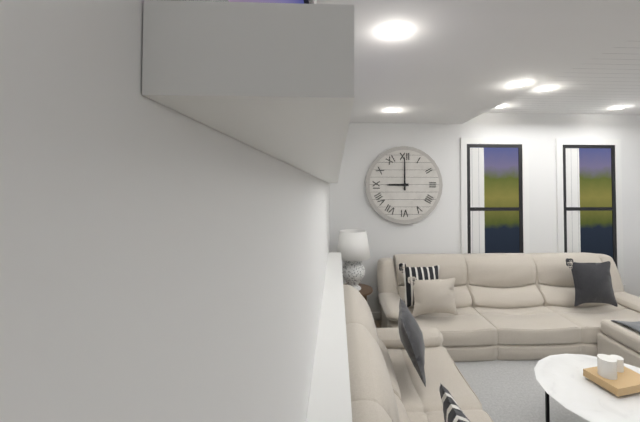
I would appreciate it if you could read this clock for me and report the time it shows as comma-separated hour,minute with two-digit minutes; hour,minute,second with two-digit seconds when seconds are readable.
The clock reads 9,00
